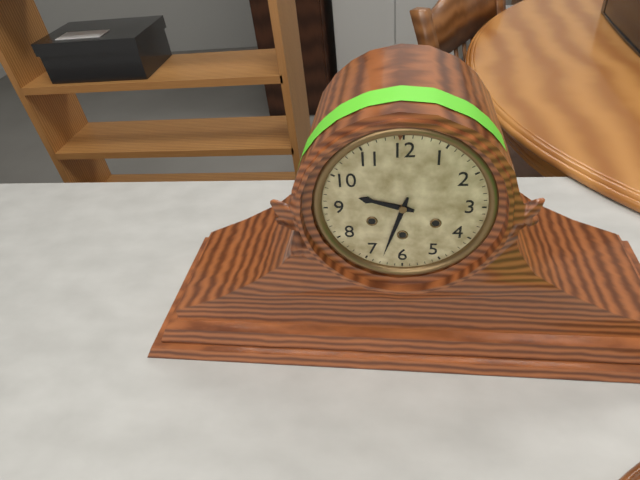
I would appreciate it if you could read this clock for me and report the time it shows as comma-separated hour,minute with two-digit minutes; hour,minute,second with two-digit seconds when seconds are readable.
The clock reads 9,33
